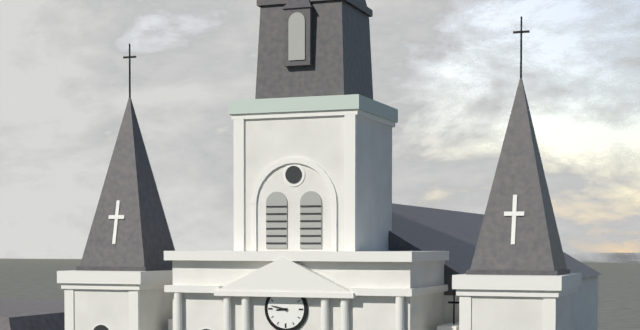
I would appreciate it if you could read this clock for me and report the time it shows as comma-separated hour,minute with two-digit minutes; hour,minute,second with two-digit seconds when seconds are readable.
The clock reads 8,47
